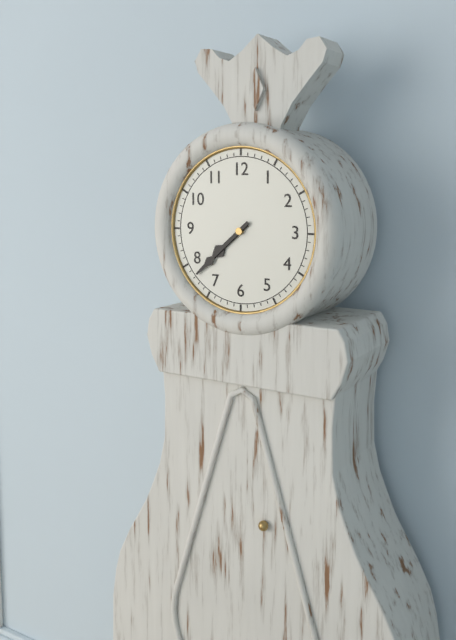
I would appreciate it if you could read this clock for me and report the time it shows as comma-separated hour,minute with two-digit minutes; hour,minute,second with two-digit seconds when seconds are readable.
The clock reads 7,38
